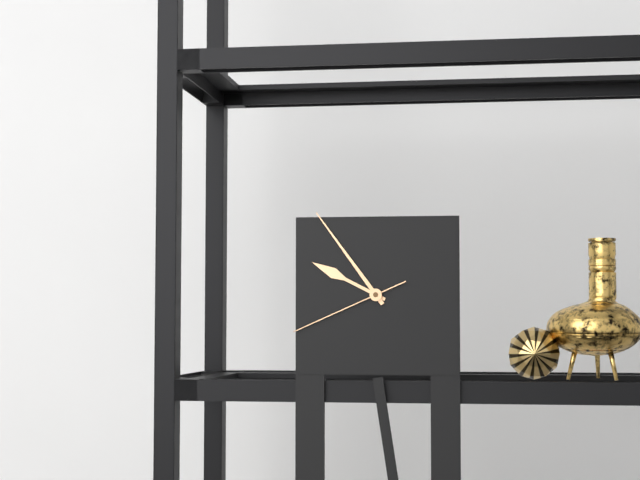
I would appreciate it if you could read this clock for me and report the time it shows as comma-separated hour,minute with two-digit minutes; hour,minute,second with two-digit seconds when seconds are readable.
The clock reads 9,54,41
